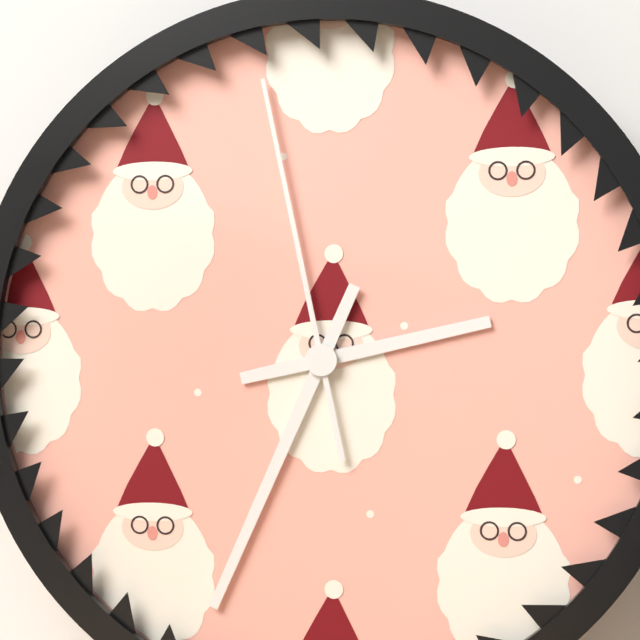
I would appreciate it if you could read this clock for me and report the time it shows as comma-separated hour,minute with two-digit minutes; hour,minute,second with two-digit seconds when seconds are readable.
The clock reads 2,34,58
